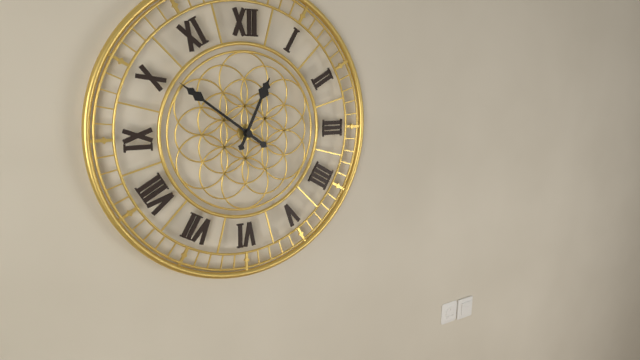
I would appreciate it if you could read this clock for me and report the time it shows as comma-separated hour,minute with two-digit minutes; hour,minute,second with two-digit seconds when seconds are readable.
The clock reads 12,51
